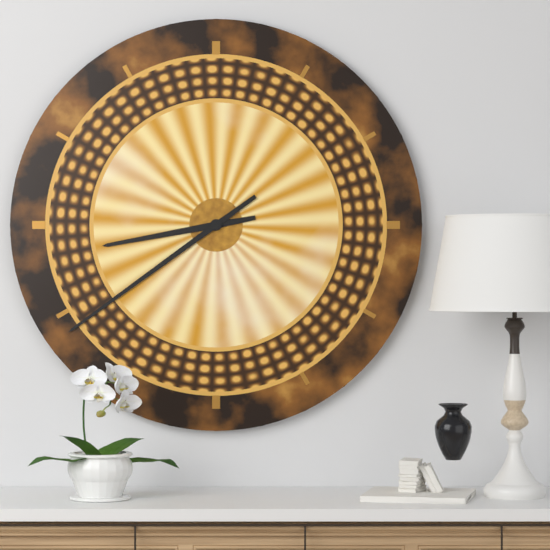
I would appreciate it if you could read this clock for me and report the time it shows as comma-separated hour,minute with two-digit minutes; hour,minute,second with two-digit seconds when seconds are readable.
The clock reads 8,39
